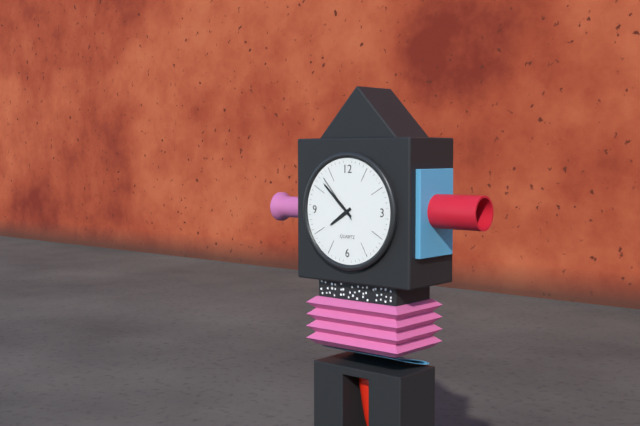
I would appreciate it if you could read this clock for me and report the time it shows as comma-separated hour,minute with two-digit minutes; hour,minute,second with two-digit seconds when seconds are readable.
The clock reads 7,52,53
